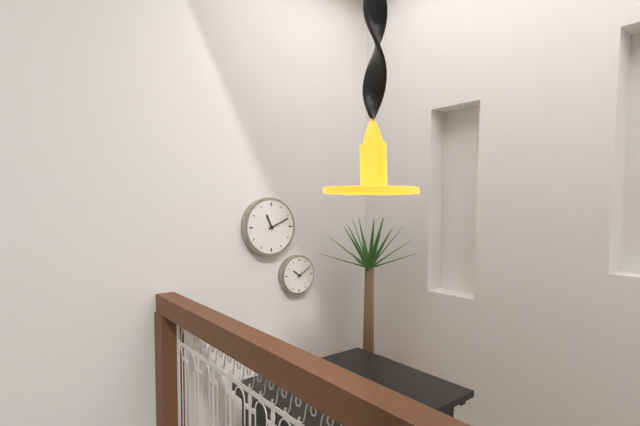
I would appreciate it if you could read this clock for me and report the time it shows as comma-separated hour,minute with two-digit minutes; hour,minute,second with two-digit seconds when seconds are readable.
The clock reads 11,11
